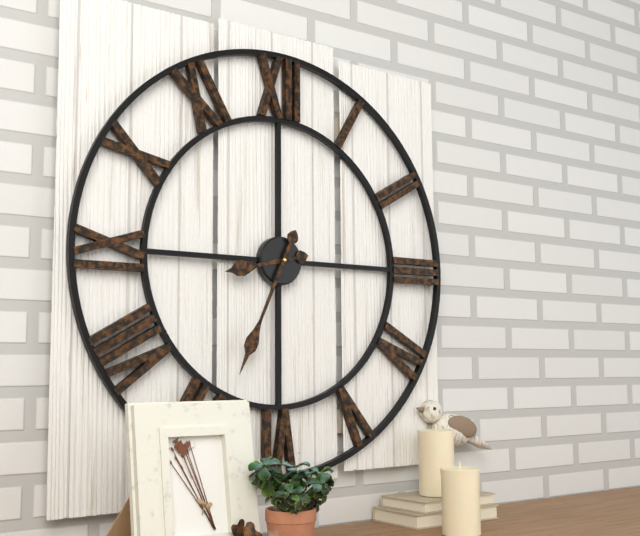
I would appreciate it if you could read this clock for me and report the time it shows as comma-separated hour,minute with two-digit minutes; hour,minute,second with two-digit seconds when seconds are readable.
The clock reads 8,34
